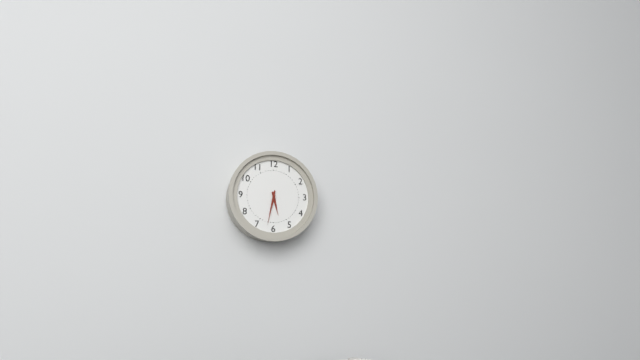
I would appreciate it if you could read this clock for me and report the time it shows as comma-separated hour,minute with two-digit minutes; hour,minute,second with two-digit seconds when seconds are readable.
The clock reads 5,32
